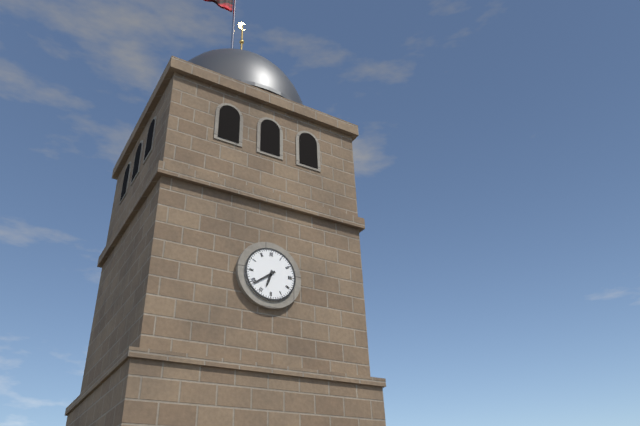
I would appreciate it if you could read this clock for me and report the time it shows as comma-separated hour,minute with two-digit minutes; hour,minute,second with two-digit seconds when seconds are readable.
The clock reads 6,39
